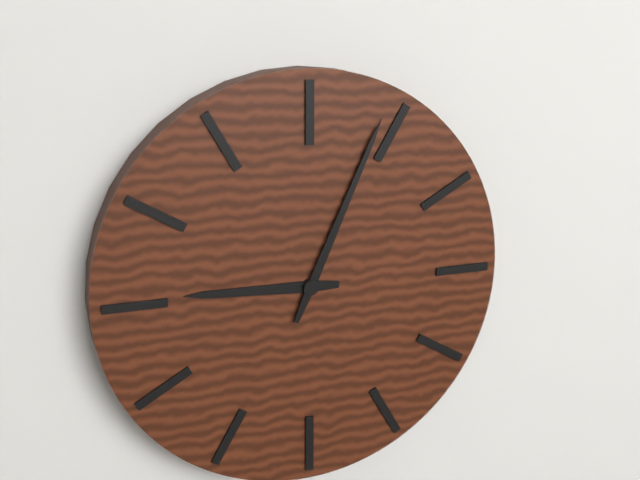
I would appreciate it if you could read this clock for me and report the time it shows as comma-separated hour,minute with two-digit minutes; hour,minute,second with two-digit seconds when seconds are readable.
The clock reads 9,04
